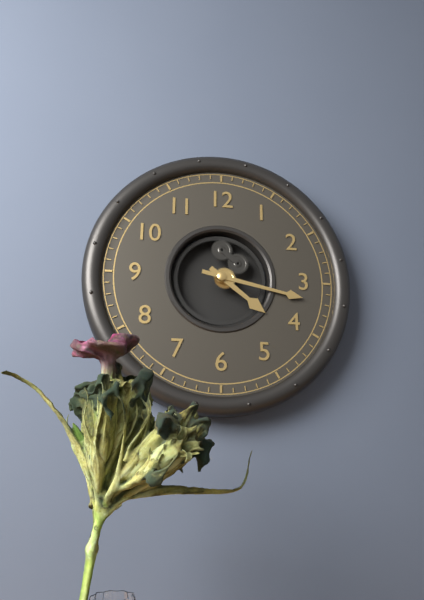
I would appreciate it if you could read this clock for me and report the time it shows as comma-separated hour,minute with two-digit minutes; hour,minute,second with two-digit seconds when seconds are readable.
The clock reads 4,17
